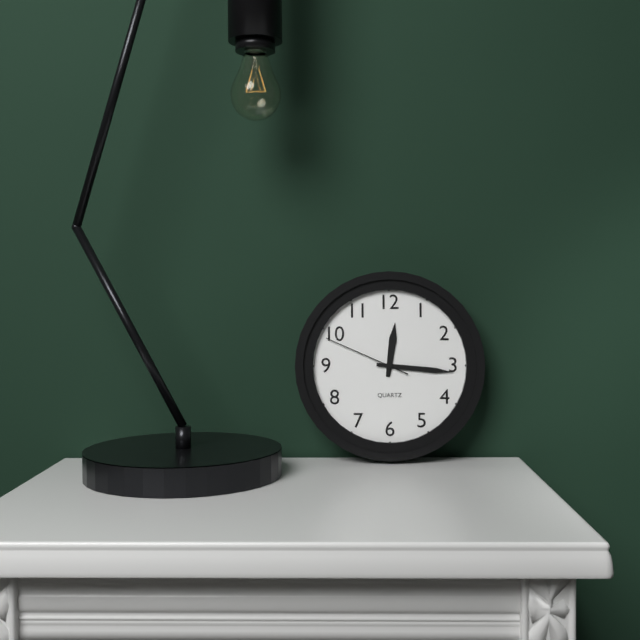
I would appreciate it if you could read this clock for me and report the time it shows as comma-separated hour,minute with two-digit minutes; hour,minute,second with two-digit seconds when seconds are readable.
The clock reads 12,16,49
